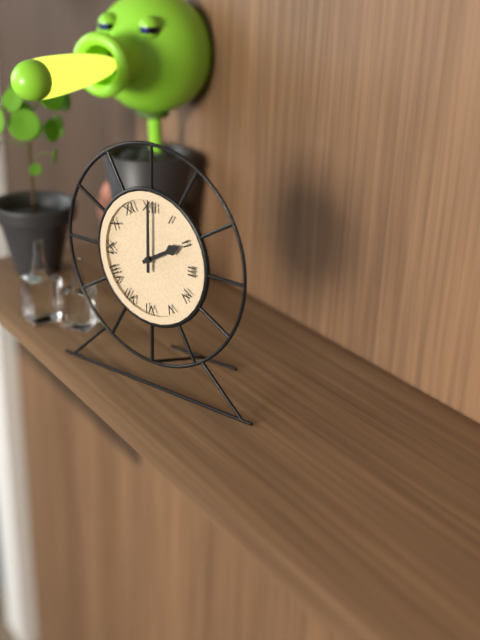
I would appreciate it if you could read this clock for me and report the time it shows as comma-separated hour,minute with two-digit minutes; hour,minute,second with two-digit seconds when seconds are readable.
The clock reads 2,00
